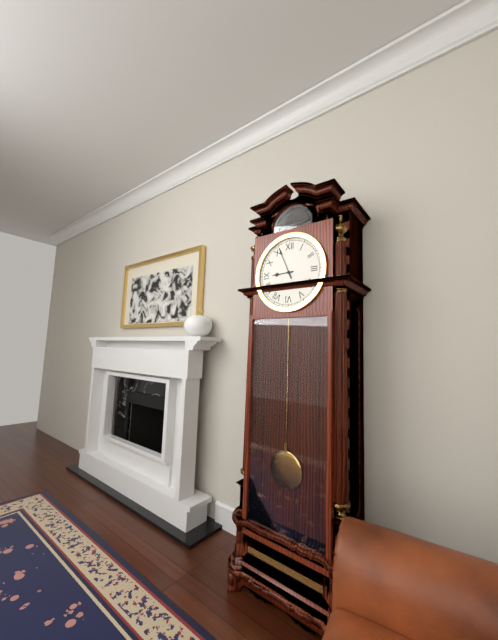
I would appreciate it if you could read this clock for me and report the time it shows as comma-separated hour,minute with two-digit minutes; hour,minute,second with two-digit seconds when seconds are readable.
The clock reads 8,56
